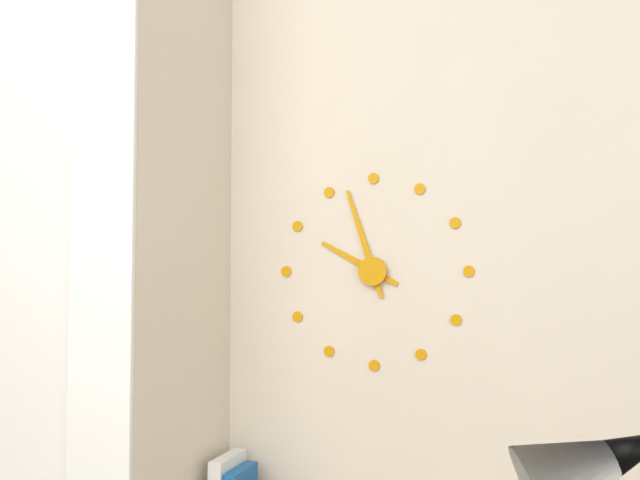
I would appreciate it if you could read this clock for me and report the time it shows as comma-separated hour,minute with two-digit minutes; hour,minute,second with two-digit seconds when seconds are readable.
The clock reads 9,57
